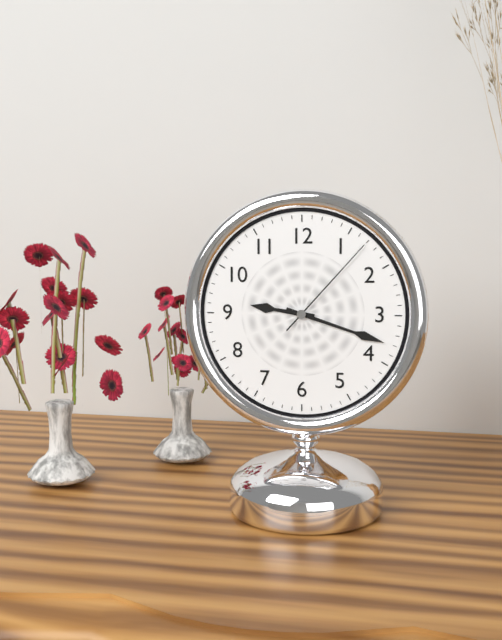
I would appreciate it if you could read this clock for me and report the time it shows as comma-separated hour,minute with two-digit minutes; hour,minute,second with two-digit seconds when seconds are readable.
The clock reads 9,18,07
